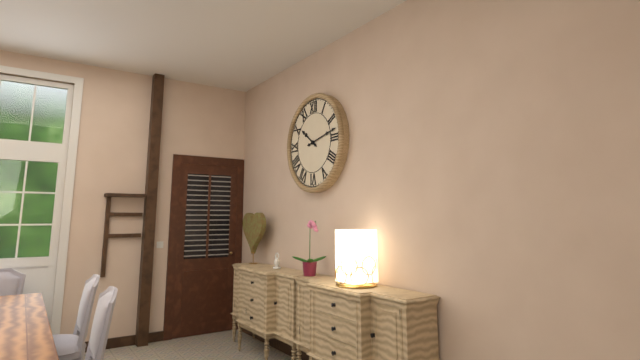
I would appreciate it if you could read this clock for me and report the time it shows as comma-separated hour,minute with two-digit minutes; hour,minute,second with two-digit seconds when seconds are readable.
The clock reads 10,13
